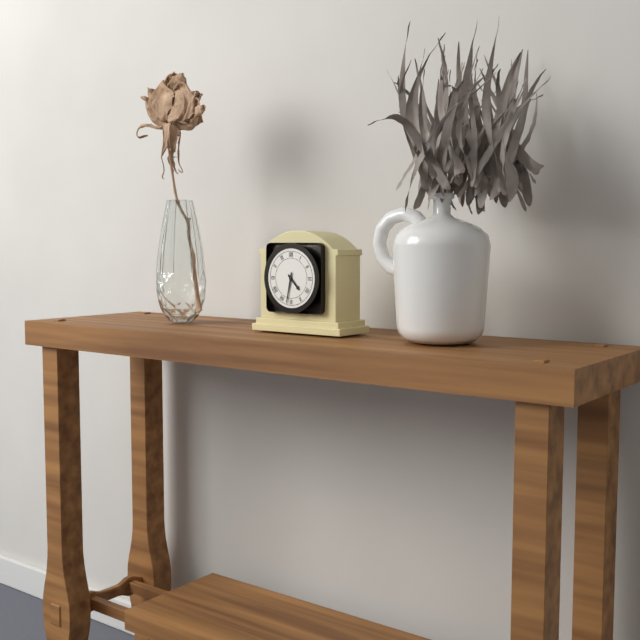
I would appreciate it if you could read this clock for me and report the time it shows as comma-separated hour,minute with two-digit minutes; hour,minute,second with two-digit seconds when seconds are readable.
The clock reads 4,32
